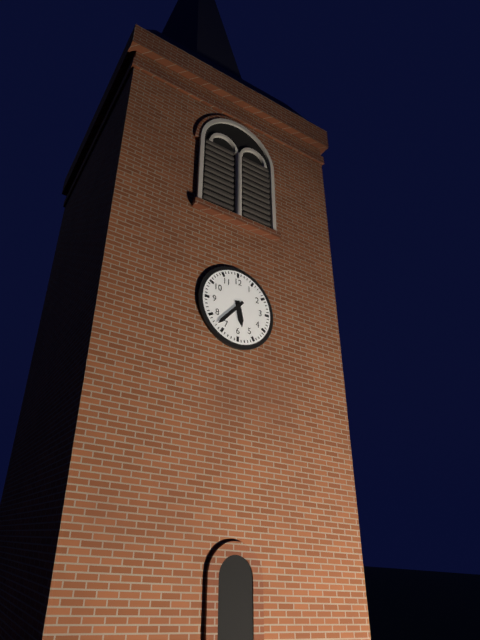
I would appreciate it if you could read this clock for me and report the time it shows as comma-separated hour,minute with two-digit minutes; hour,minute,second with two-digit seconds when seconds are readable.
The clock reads 5,37
